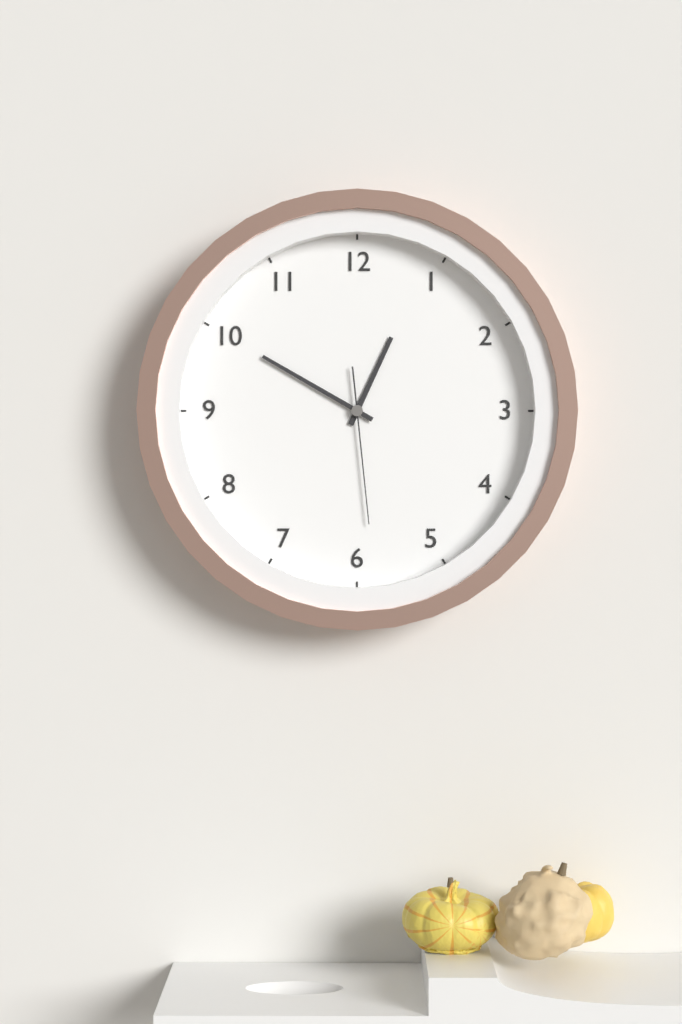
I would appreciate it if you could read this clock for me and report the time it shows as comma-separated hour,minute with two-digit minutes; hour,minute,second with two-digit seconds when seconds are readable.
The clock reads 12,50,29
